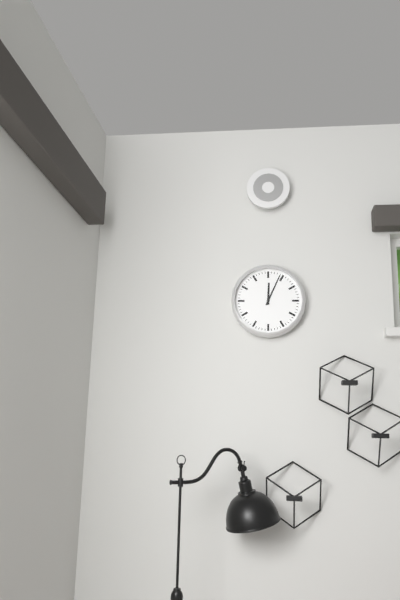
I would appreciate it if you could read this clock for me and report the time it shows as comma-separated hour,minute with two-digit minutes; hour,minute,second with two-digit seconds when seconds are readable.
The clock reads 12,04
